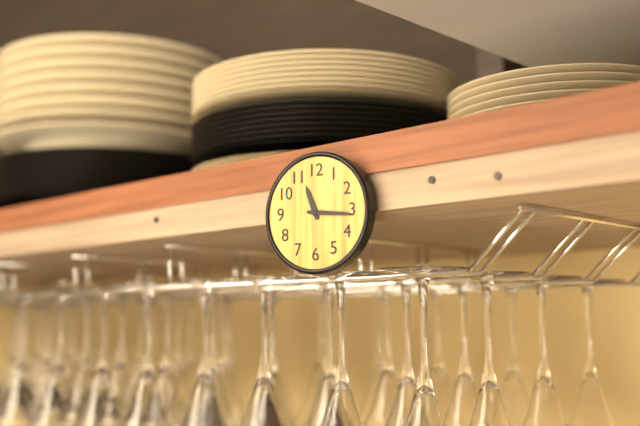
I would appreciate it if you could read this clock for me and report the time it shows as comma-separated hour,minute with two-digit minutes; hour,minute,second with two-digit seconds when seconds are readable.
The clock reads 11,16
